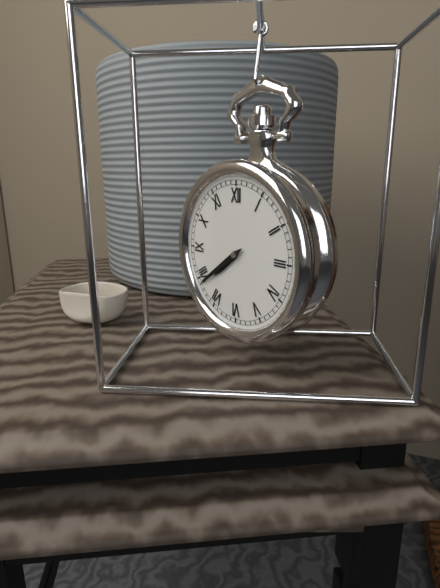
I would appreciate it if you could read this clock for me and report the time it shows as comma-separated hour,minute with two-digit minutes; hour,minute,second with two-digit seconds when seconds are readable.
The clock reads 7,39
